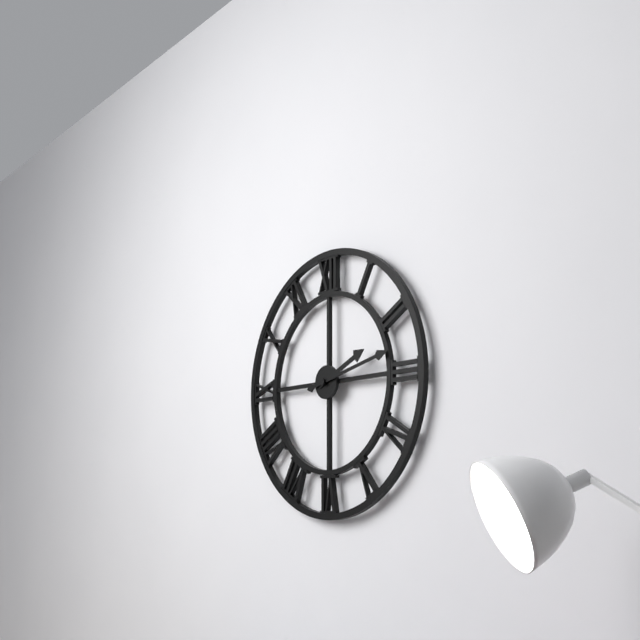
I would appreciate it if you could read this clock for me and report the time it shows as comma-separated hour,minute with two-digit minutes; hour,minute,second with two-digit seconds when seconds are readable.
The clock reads 2,13
